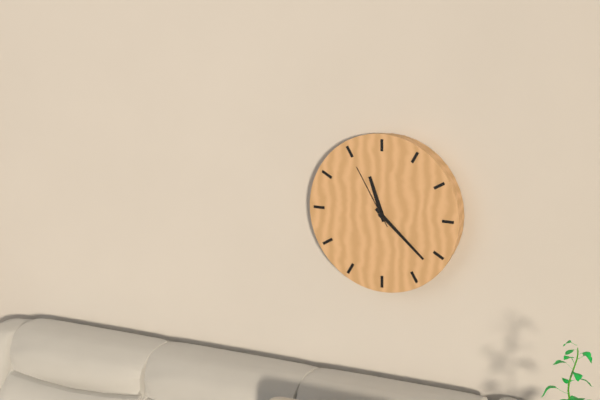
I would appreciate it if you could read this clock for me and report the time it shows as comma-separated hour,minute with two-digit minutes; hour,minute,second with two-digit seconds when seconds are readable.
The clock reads 11,22,55
